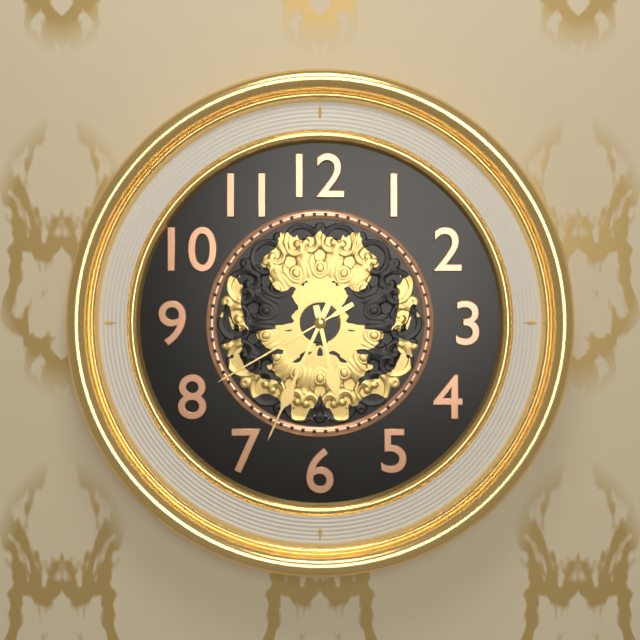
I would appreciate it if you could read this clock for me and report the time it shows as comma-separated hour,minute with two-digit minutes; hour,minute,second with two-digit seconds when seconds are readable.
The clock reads 5,34,40
